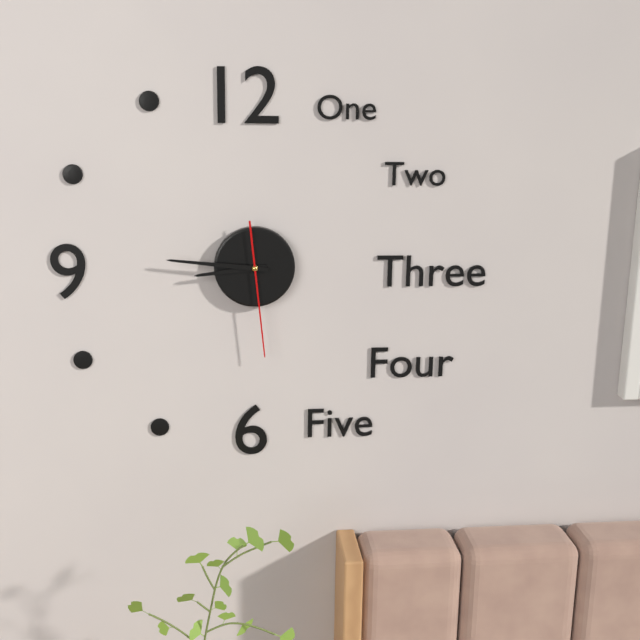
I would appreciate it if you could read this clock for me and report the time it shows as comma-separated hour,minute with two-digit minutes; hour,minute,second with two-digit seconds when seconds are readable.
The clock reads 8,46,29
